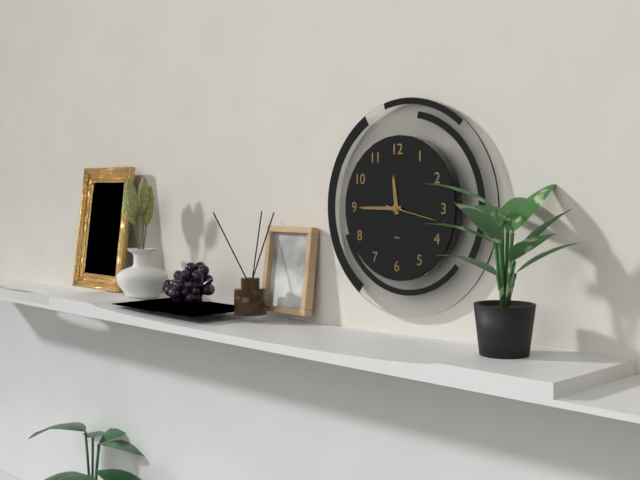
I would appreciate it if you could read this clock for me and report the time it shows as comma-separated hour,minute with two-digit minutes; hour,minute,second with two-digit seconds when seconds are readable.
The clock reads 11,45,17
